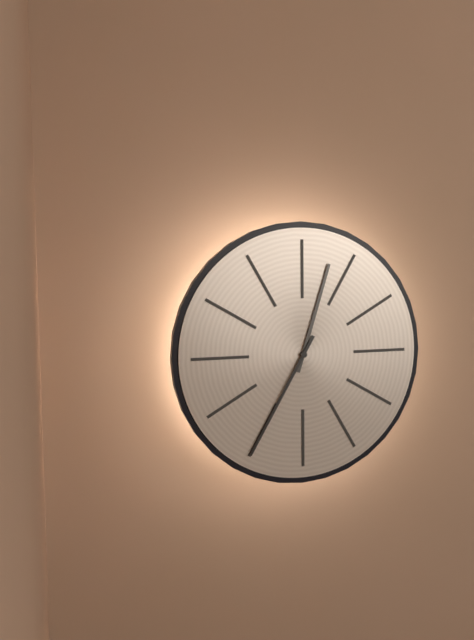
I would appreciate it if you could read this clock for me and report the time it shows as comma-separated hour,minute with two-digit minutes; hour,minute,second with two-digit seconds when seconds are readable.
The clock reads 12,35
